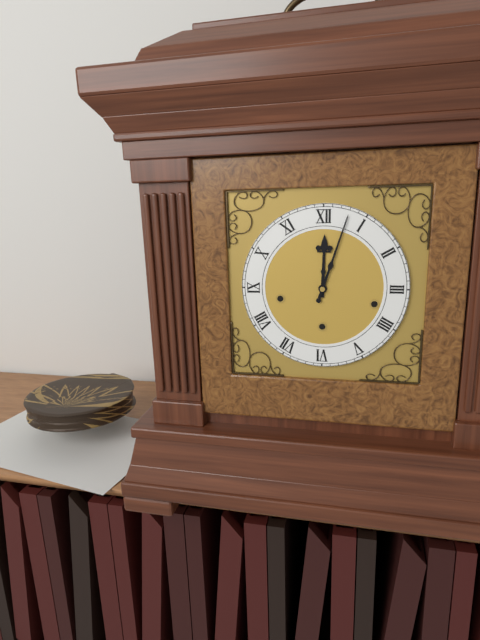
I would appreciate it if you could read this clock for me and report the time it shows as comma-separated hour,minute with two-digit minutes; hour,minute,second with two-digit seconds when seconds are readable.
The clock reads 12,03
